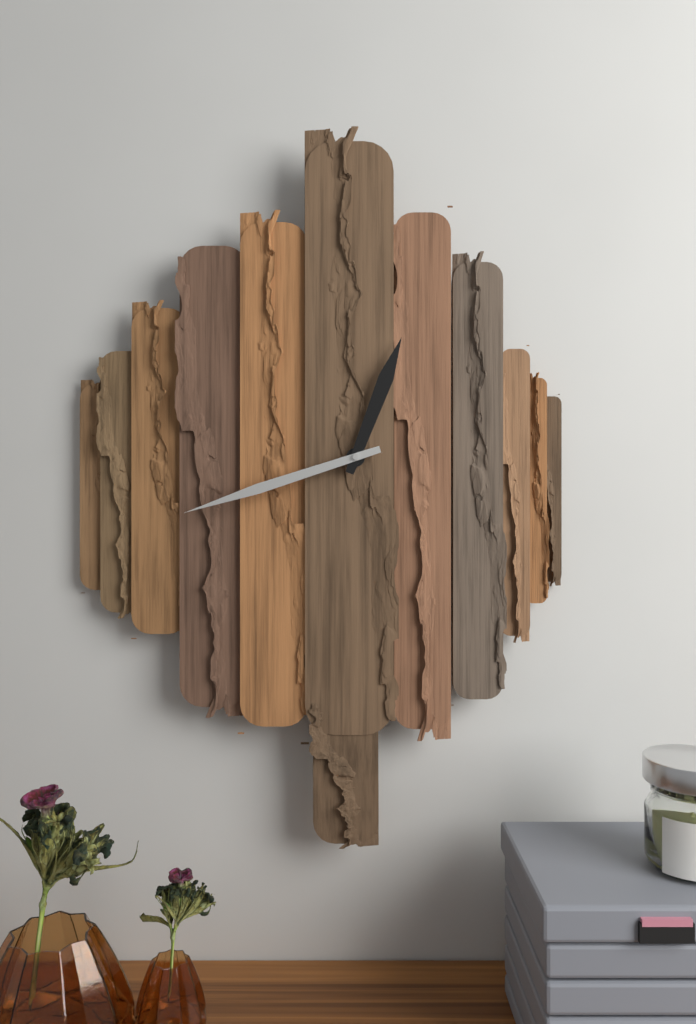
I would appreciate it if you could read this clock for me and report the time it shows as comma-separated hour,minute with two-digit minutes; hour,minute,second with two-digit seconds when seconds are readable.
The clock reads 12,42
